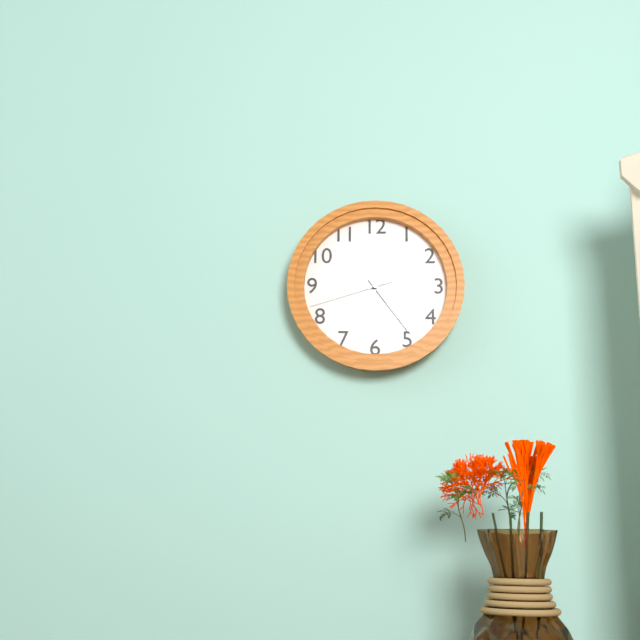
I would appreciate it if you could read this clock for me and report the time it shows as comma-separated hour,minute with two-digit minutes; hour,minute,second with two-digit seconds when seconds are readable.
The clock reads 6,24,42
